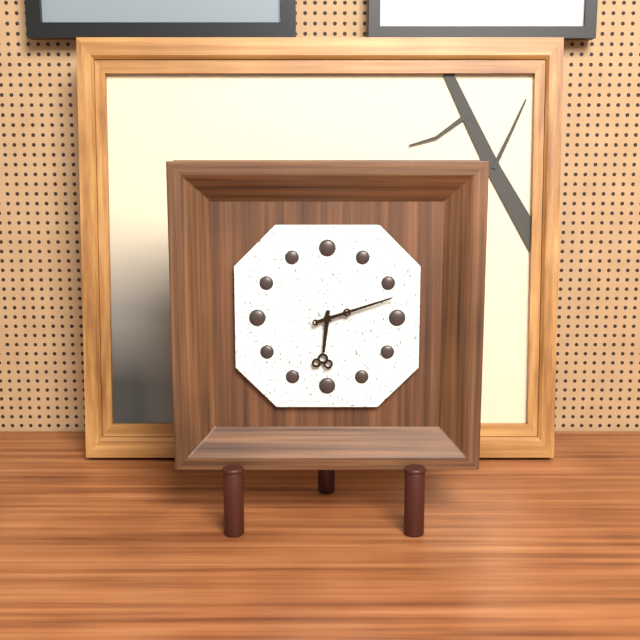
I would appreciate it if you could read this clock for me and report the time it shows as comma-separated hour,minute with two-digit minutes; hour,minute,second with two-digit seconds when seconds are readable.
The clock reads 6,12
